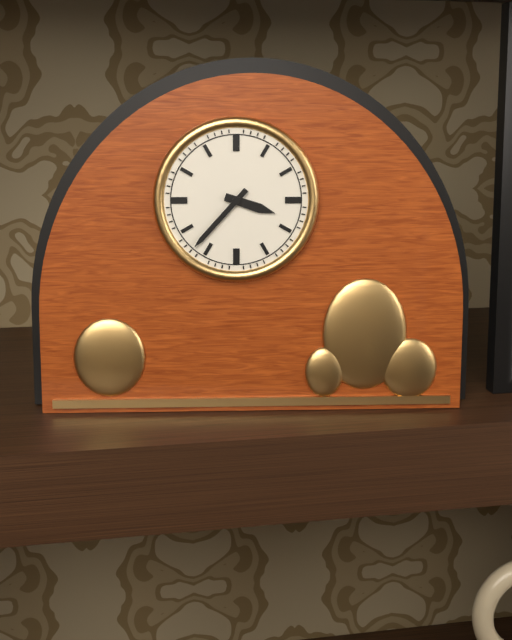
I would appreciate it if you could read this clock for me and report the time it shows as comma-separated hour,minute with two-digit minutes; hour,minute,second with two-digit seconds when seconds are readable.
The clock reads 3,37
